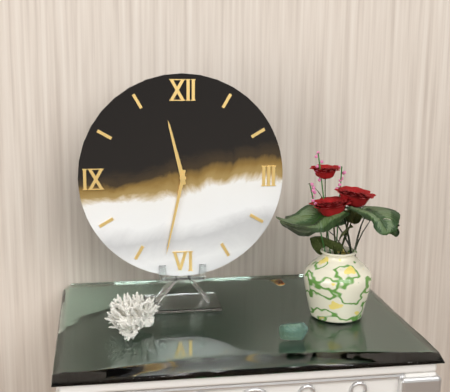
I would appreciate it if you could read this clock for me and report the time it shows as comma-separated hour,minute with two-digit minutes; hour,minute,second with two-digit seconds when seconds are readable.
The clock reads 11,32
